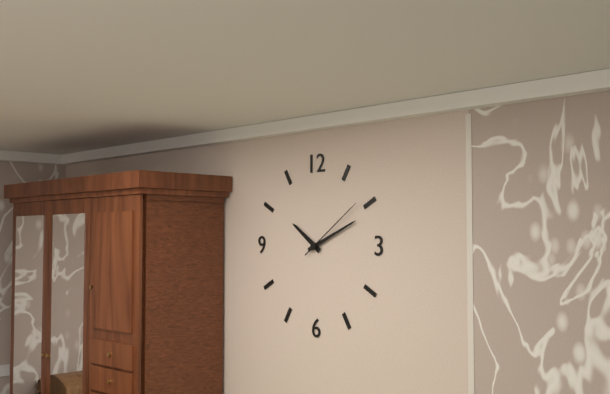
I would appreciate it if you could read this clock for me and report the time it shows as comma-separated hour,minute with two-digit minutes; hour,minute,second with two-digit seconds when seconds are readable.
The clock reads 10,11,09
